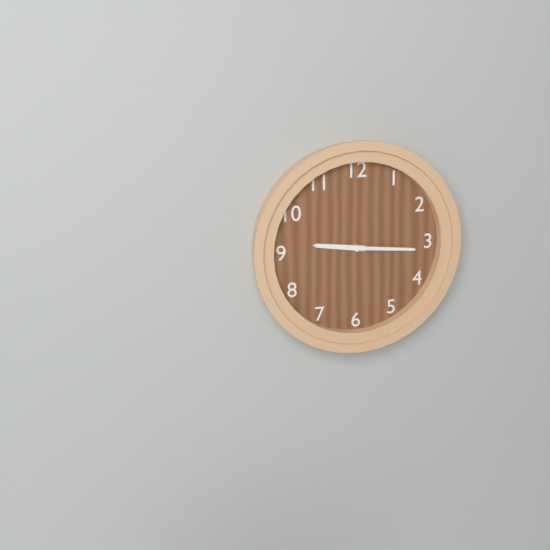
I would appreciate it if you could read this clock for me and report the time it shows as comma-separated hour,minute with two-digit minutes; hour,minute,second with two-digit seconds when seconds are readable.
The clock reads 9,16
